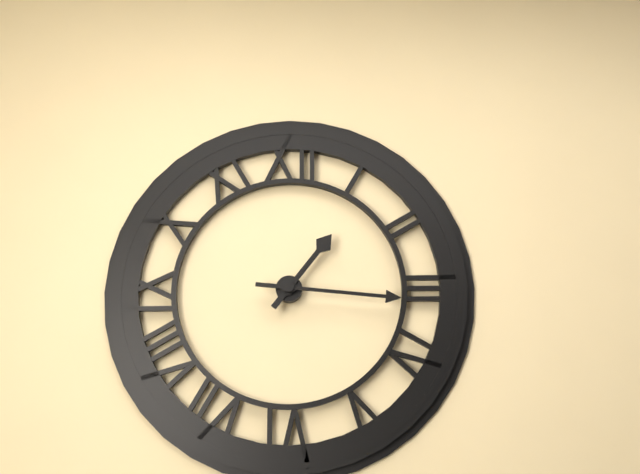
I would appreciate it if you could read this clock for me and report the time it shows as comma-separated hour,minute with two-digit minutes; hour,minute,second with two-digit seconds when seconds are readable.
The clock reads 1,16
